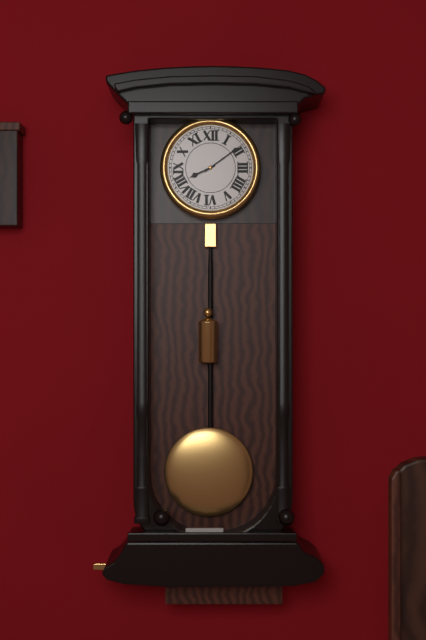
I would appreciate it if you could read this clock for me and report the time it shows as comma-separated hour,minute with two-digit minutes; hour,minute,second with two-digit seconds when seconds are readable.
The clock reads 8,09
